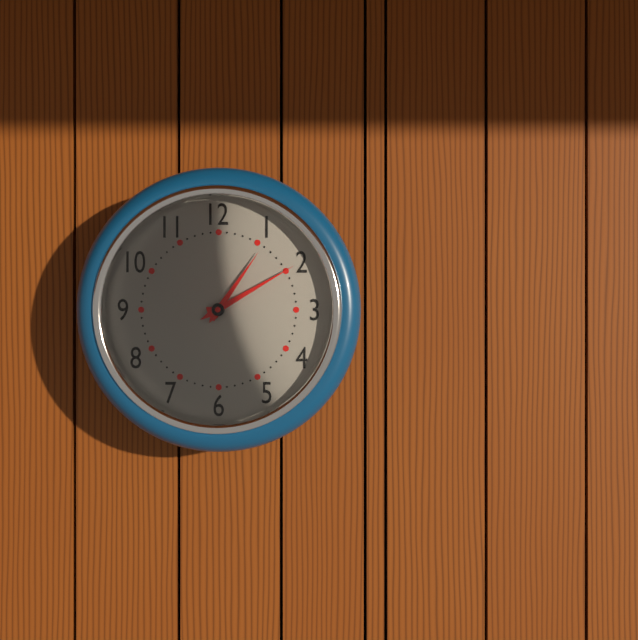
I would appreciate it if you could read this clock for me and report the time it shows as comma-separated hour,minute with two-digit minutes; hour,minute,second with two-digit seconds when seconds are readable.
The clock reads 1,10
